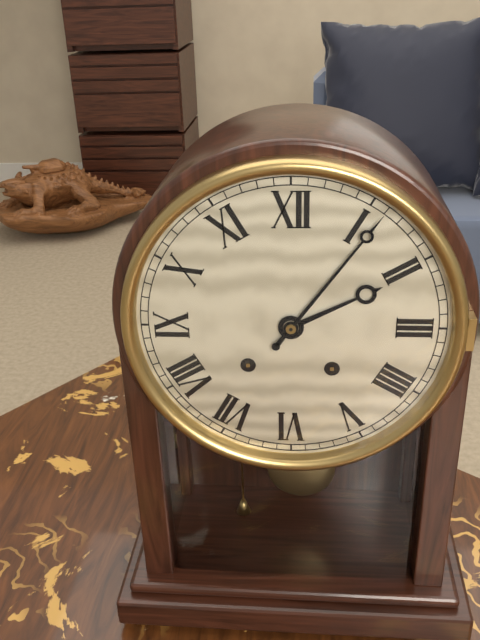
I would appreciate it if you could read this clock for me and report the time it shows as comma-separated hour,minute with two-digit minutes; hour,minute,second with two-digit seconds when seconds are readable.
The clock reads 2,06
